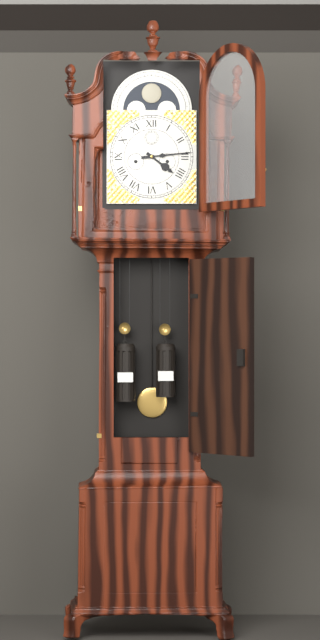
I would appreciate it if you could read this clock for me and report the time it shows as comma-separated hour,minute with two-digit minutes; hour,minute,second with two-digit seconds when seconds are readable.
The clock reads 4,14
